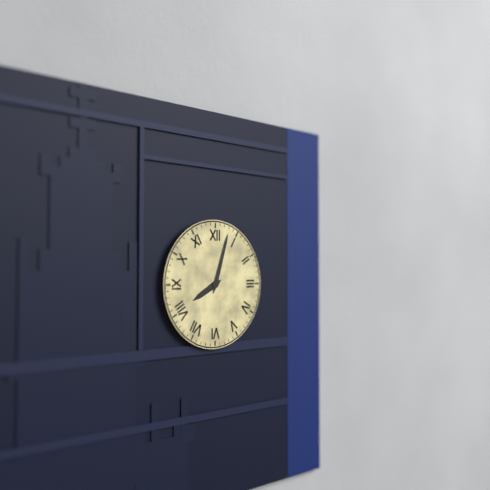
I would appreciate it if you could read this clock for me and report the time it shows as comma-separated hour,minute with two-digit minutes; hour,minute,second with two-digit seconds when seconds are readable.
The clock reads 8,03
